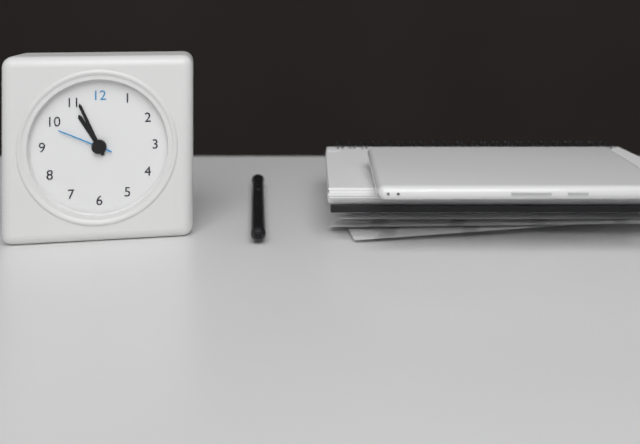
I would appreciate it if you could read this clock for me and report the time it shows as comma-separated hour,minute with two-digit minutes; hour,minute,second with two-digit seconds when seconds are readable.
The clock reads 10,56,49
